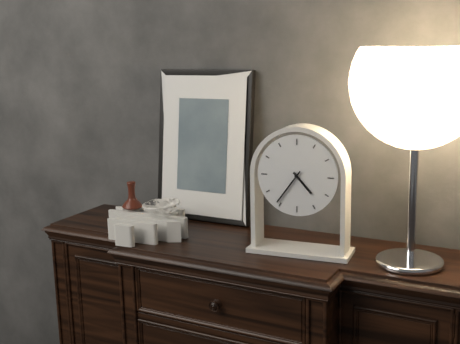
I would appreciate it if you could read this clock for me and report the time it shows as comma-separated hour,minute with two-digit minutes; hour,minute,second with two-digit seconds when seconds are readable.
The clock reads 4,36
